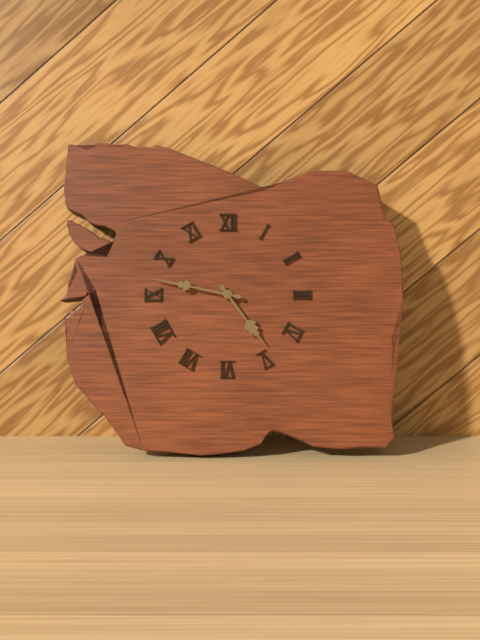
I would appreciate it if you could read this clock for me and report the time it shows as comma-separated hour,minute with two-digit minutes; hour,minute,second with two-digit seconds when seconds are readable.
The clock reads 4,47
